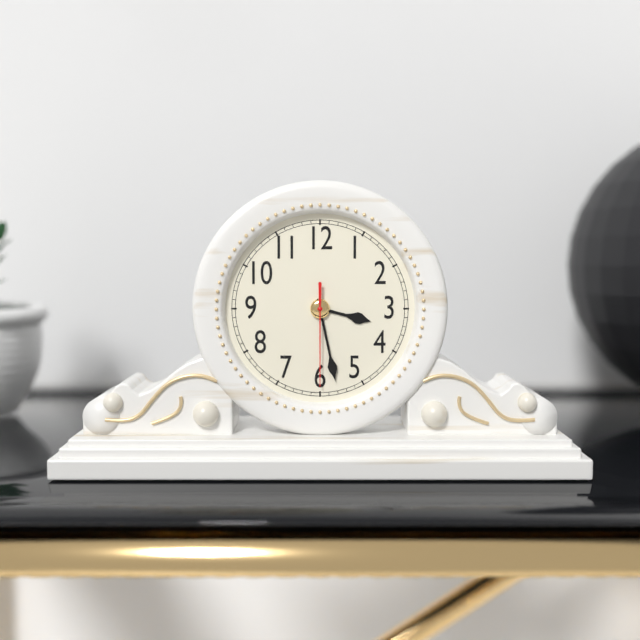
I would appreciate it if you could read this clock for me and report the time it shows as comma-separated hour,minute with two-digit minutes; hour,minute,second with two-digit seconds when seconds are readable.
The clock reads 3,28,30
